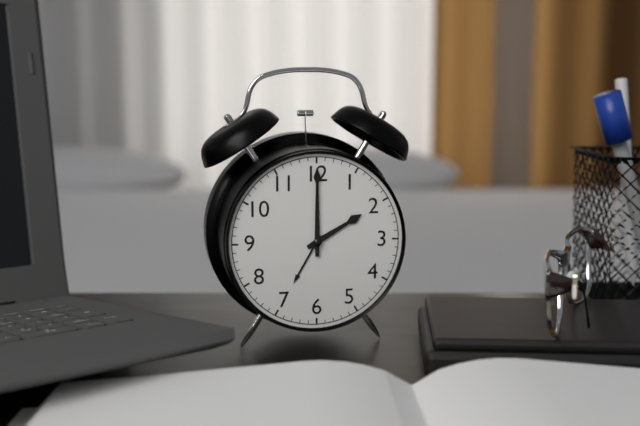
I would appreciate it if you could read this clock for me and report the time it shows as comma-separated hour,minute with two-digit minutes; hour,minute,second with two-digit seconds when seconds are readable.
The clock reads 2,00
